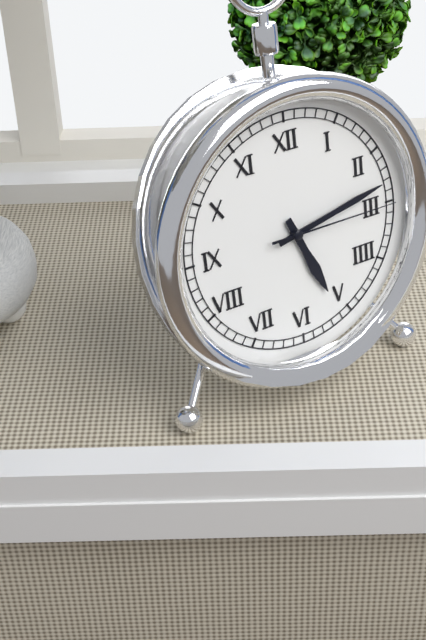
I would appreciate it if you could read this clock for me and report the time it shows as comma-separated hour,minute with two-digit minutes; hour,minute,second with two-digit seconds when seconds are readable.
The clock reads 5,13,15
